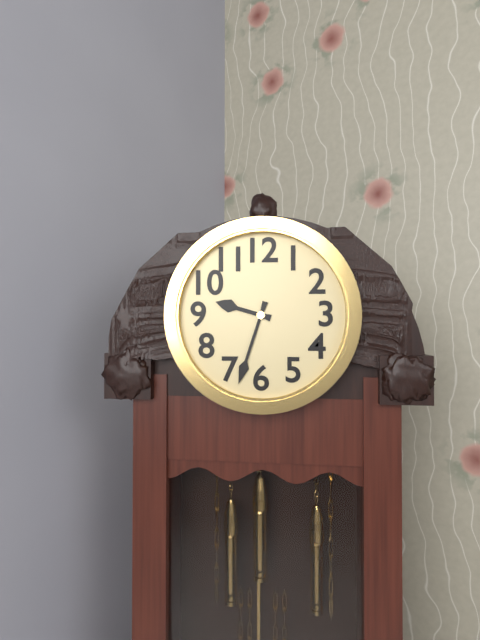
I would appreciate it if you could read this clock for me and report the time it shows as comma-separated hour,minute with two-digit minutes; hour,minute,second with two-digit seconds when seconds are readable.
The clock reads 9,33
